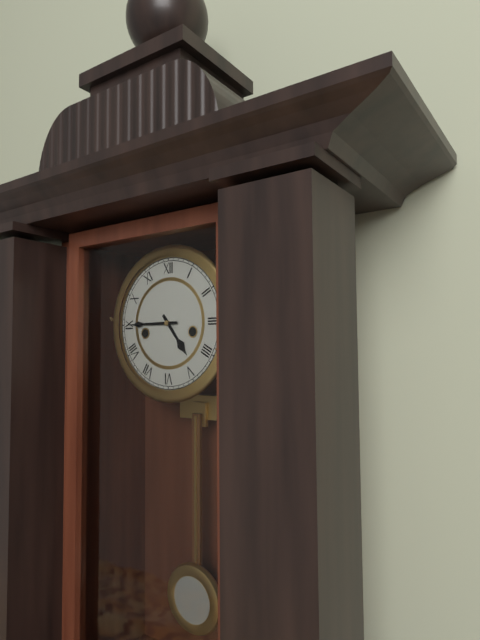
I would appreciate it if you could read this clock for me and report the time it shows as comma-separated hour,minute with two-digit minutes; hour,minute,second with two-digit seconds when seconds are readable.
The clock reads 4,45
